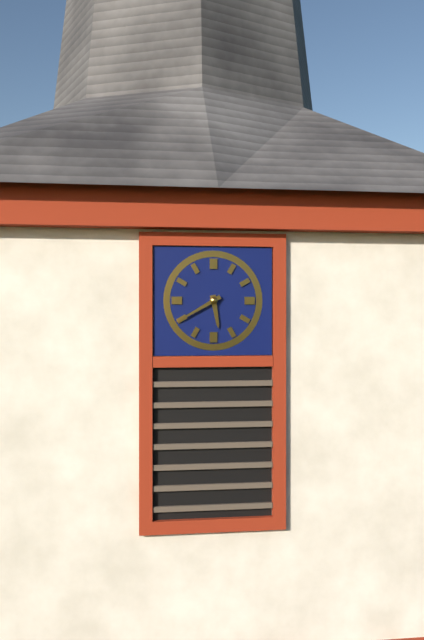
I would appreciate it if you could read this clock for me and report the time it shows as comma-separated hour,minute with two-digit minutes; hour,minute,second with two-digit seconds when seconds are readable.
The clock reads 5,40
